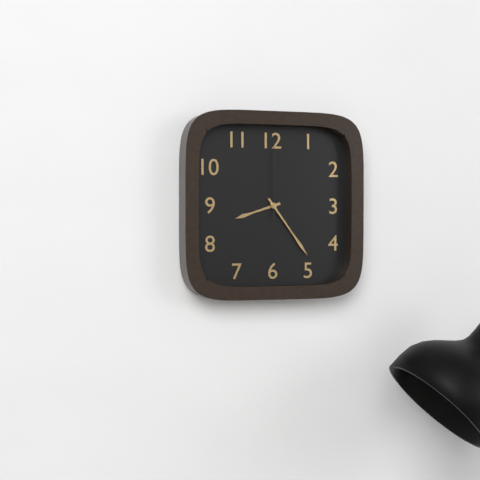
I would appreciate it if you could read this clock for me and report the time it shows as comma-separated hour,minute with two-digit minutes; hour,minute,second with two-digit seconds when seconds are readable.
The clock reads 8,24,00
